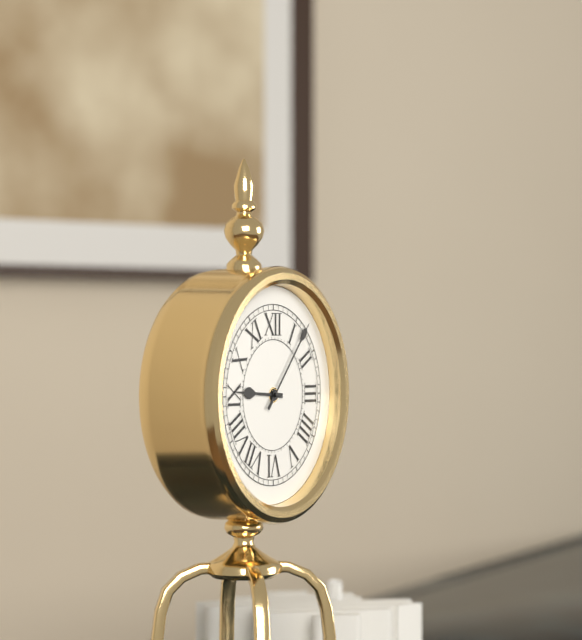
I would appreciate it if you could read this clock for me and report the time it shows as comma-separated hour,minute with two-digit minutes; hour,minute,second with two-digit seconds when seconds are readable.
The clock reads 9,07
